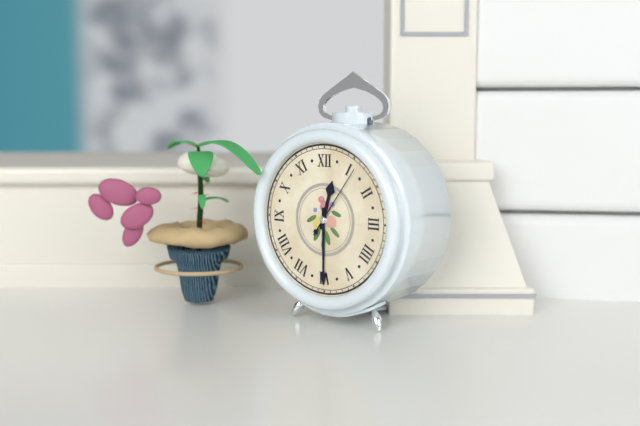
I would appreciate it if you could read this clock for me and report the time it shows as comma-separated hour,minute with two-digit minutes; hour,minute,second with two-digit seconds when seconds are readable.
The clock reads 12,30,06
